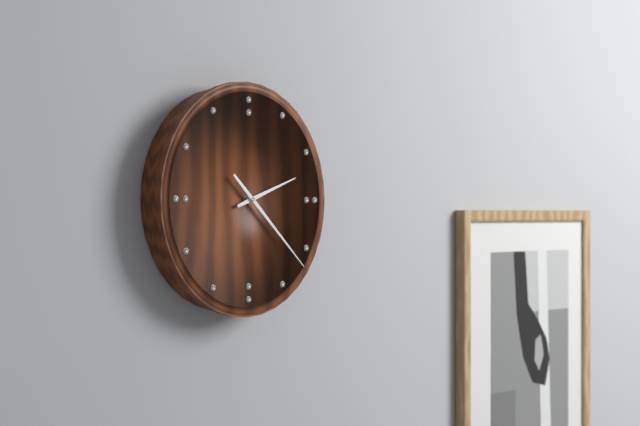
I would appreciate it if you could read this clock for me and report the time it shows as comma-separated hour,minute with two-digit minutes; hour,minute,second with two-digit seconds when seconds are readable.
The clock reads 2,22
